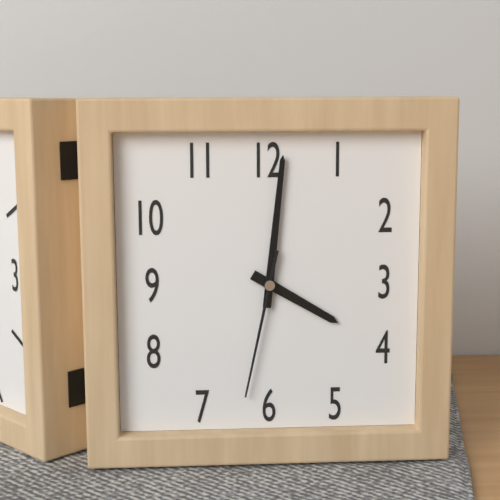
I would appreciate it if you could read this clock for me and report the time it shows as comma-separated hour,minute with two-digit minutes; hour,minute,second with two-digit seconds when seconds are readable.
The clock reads 4,01,32
